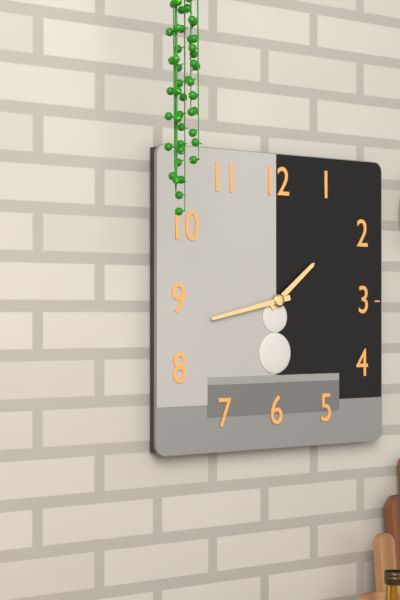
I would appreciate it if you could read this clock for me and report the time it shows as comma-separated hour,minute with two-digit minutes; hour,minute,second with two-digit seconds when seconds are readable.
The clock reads 1,43
